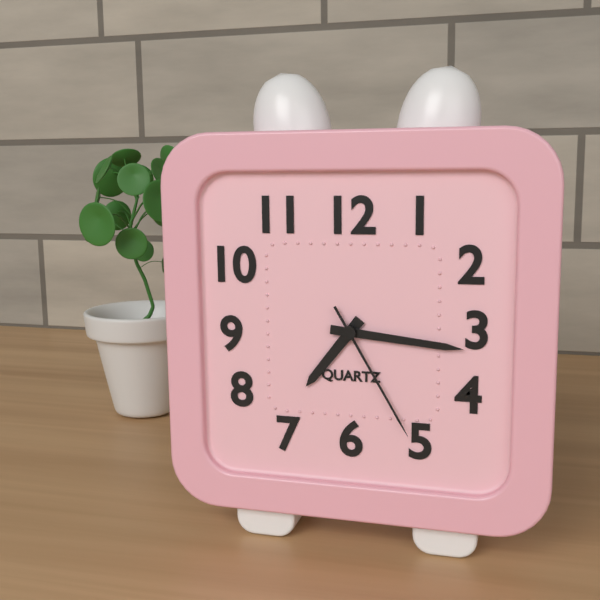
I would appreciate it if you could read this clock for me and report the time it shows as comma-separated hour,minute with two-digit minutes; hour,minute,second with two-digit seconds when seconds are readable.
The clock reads 7,16,25
